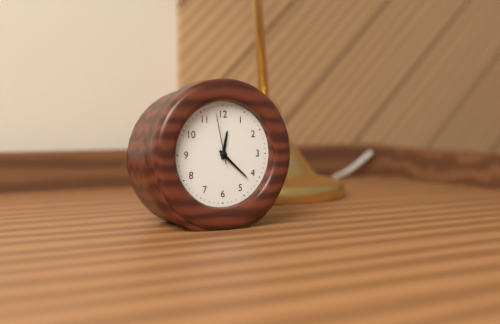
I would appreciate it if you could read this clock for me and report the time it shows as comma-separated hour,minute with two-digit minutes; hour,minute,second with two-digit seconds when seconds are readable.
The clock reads 12,22,58
